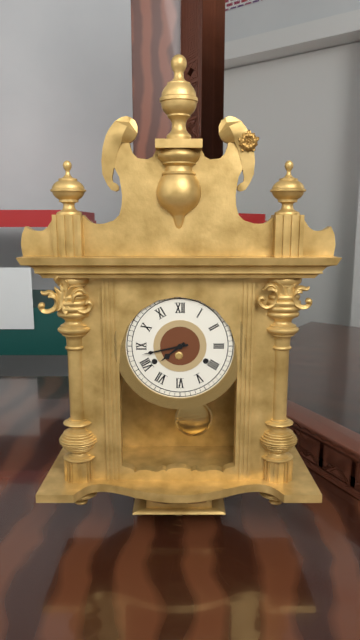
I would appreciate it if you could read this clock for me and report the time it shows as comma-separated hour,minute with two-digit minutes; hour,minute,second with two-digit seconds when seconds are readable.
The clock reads 7,43
